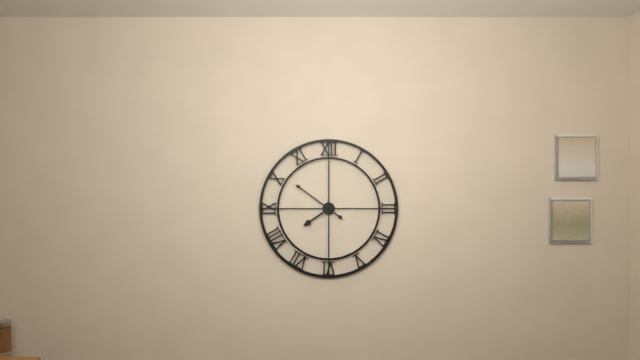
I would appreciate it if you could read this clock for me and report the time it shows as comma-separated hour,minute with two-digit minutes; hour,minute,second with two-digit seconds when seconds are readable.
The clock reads 7,51
